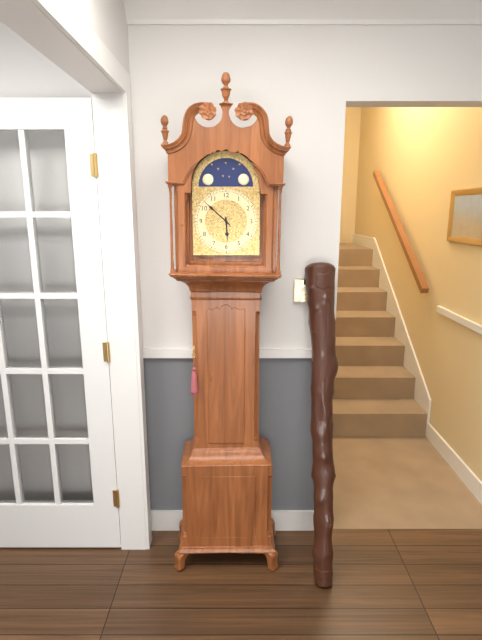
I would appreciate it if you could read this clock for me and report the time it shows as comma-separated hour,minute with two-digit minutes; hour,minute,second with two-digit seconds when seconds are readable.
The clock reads 5,52
